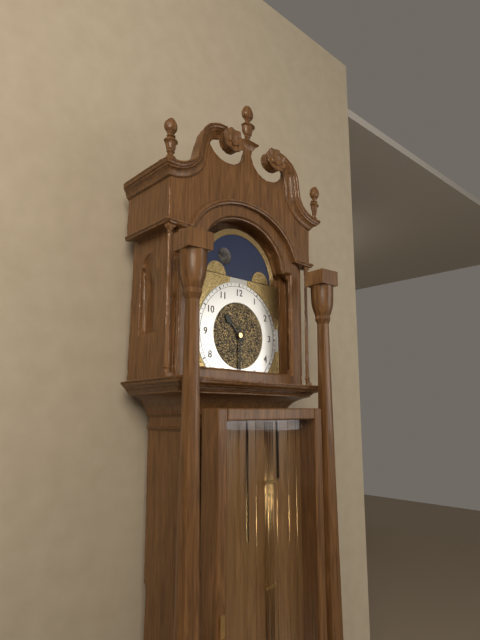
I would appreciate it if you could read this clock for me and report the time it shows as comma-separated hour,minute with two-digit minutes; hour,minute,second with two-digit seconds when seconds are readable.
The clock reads 10,30
